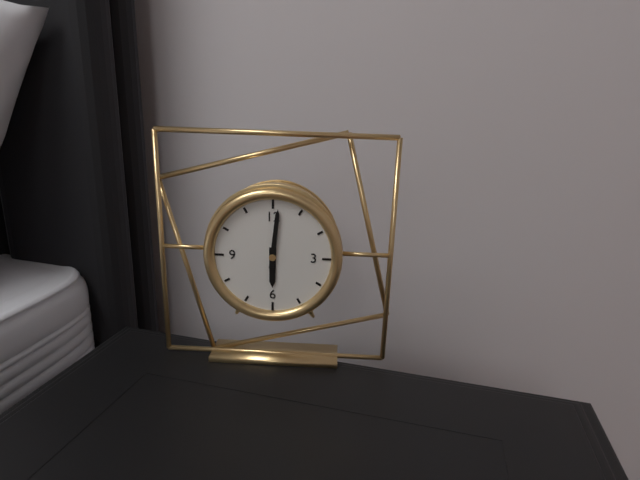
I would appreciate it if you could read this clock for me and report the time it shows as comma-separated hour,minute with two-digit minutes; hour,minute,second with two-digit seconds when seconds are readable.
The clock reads 6,01
